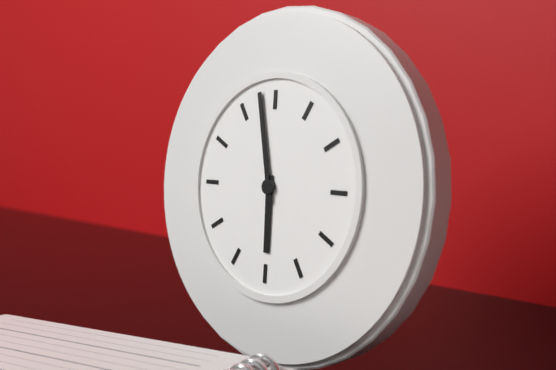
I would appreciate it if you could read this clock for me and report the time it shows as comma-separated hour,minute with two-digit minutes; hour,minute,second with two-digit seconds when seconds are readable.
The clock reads 5,58
